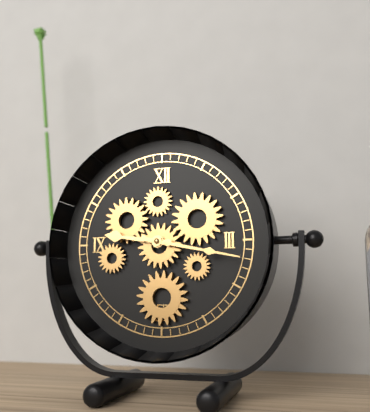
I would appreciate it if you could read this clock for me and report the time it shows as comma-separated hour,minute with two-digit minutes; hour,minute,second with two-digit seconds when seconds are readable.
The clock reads 9,17
